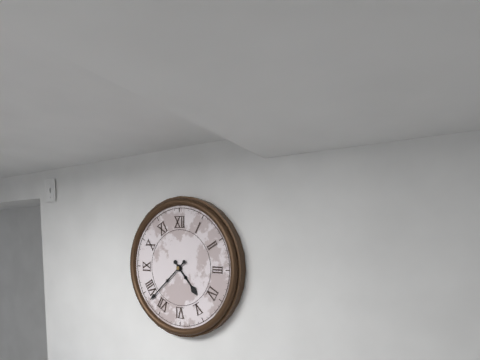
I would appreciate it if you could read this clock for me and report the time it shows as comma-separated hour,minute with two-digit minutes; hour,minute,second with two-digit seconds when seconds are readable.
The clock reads 4,38
